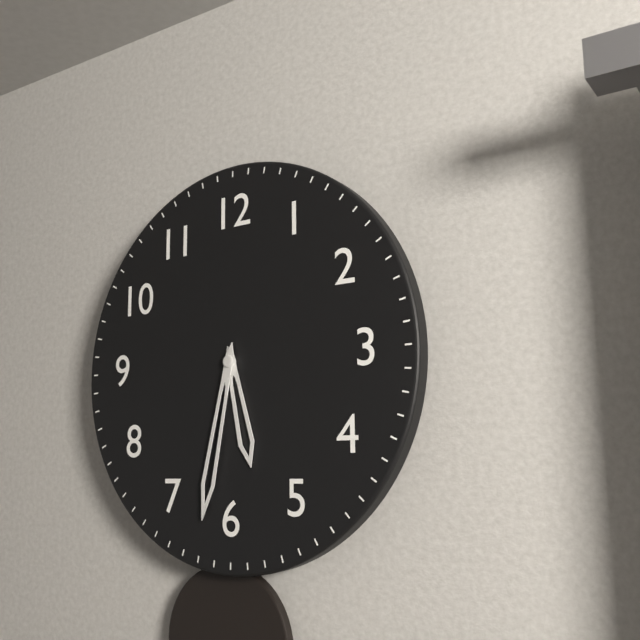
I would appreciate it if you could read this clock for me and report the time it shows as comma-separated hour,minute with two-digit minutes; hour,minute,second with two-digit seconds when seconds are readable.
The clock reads 5,32
